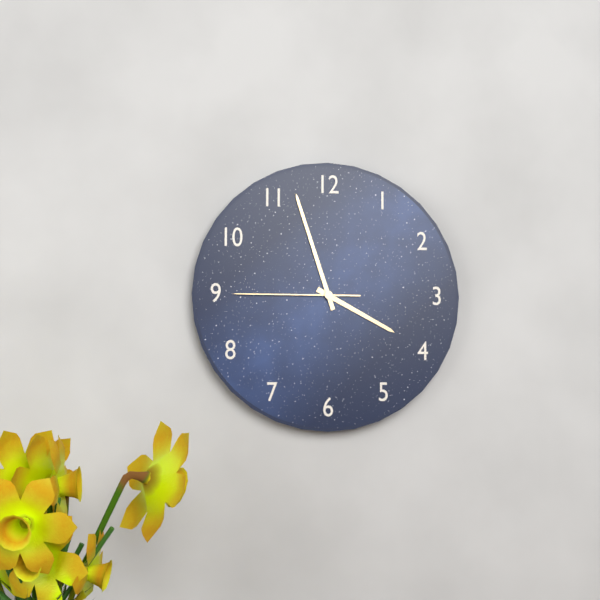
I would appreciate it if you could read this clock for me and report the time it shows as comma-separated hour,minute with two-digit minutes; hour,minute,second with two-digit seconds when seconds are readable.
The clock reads 3,57,45
